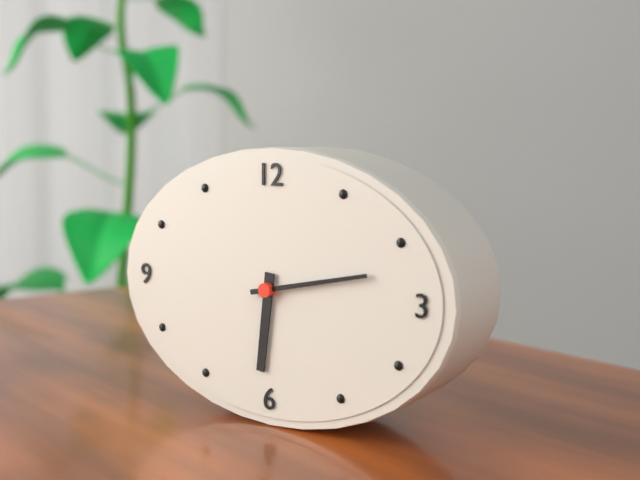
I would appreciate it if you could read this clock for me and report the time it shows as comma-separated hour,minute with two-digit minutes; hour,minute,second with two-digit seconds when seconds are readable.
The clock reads 6,13
